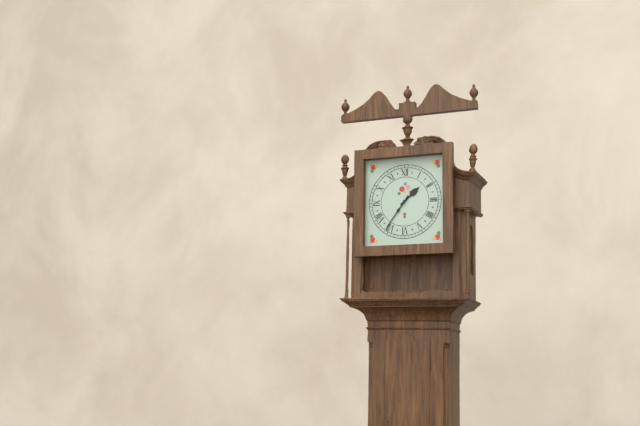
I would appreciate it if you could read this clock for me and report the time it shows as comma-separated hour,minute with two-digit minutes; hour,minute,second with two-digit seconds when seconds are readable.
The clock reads 1,36
